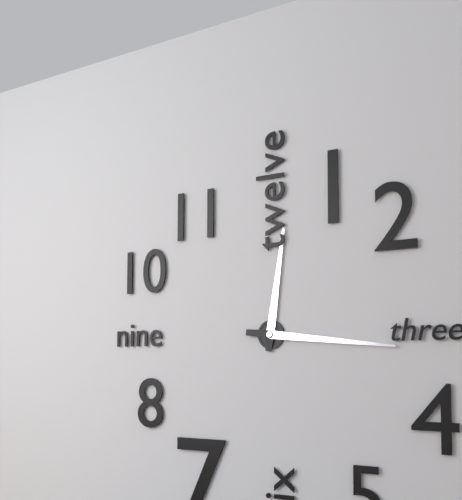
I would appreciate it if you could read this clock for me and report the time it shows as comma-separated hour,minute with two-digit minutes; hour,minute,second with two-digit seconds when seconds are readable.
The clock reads 12,16
